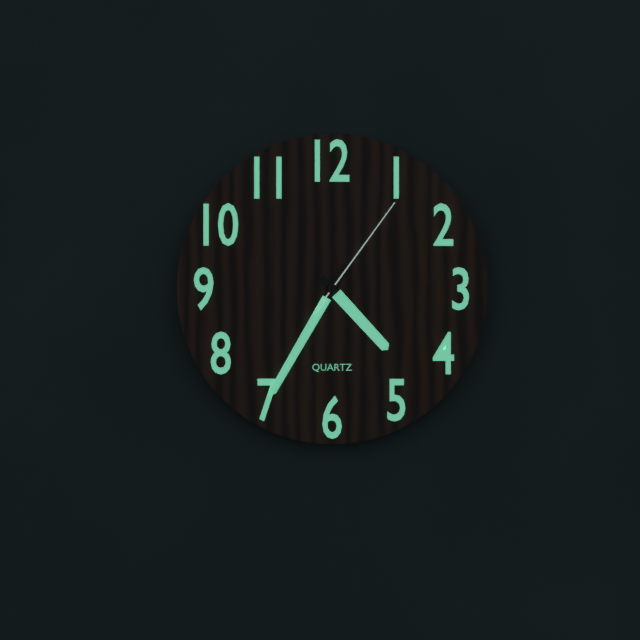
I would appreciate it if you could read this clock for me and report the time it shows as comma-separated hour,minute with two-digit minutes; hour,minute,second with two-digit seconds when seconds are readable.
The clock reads 4,35,06
